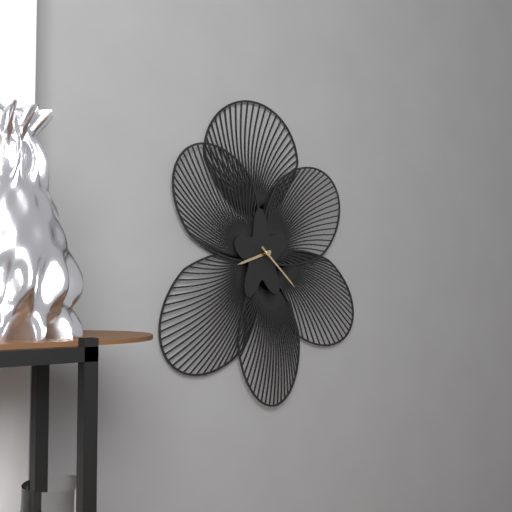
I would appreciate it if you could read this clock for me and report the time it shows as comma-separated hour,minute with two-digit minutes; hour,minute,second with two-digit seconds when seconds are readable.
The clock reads 8,22
